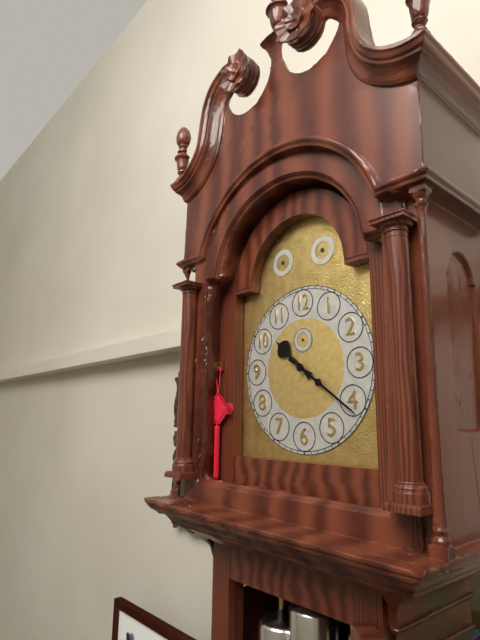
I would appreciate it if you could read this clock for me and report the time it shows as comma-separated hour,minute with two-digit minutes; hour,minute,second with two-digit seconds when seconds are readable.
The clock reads 10,21
